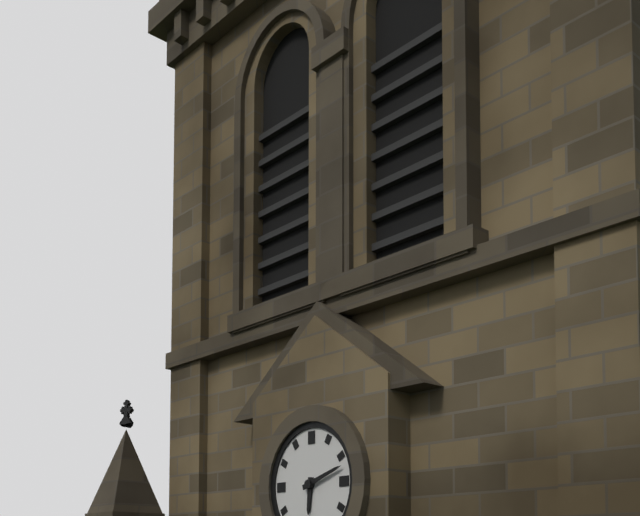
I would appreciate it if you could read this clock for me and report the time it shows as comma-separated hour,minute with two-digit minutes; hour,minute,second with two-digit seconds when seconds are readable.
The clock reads 6,12
